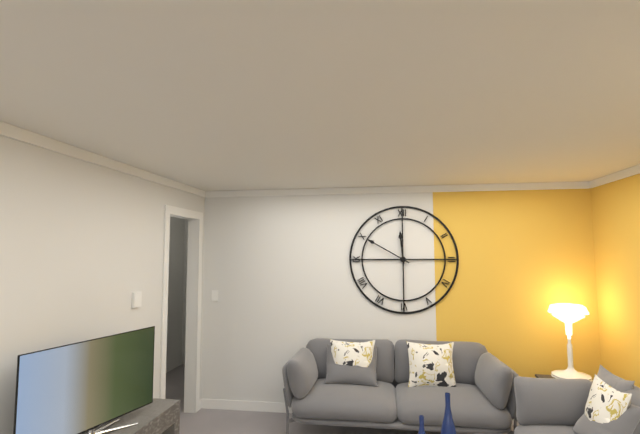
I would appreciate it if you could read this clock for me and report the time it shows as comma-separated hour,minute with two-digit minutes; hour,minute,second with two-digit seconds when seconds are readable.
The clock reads 11,50
